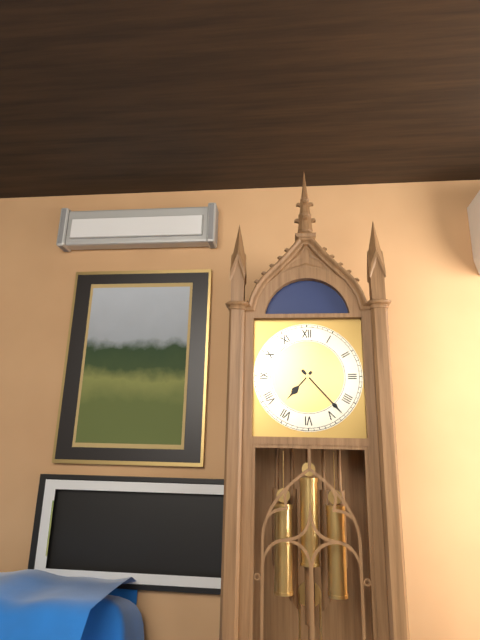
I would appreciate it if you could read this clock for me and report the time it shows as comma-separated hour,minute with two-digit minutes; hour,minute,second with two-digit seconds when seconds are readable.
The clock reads 7,23
